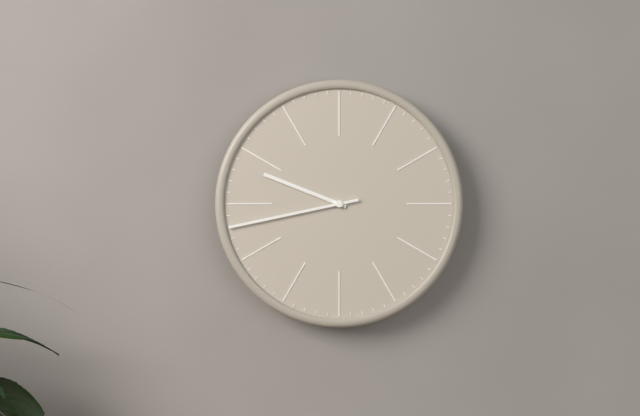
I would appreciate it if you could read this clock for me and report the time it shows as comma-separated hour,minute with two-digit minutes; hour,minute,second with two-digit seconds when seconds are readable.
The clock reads 9,43
